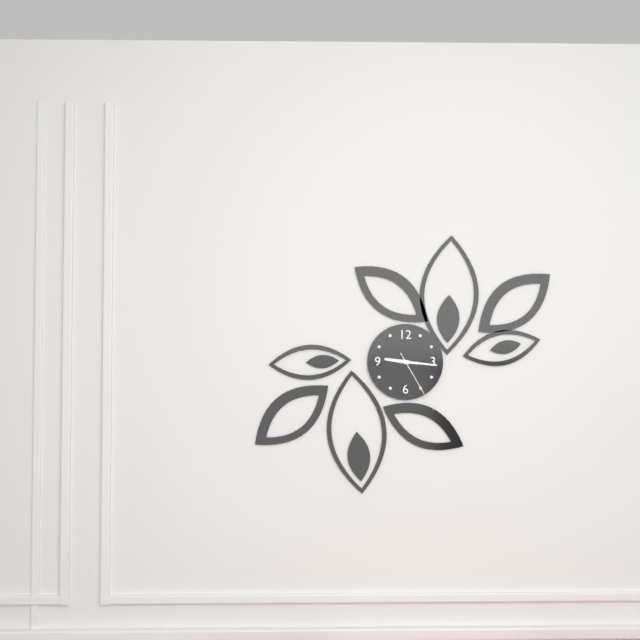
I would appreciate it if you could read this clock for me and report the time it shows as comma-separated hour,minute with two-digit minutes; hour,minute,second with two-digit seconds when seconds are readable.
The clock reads 9,16,25
